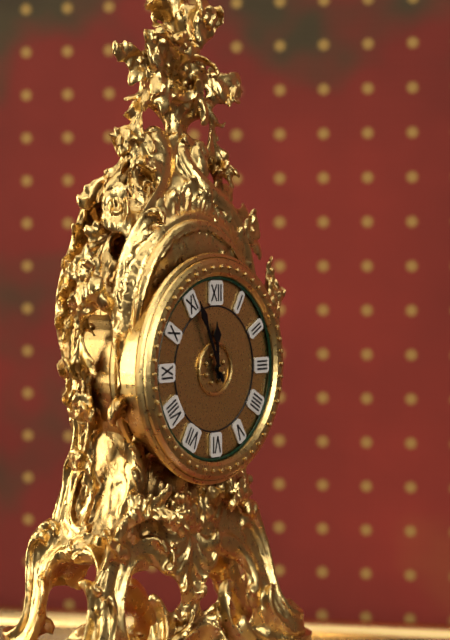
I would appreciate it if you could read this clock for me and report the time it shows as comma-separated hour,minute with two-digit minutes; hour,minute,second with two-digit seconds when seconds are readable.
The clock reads 11,56
